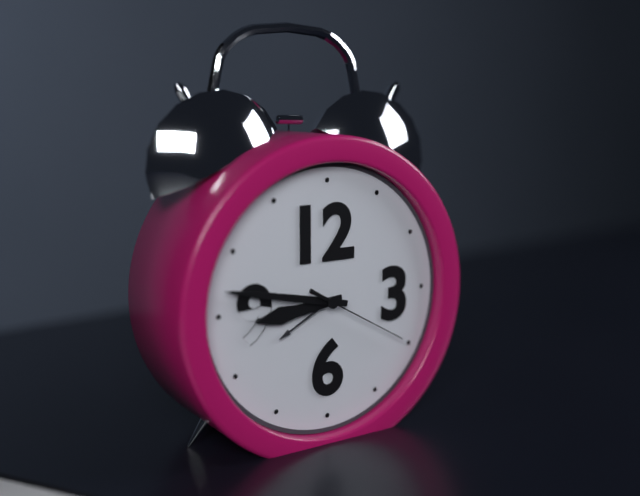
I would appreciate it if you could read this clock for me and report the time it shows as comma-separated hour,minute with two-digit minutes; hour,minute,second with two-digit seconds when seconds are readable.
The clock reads 8,47,20
